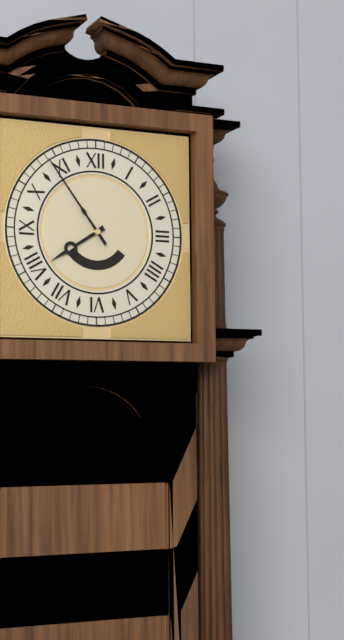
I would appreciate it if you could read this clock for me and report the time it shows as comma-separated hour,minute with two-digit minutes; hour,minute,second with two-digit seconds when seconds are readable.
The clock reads 7,54
